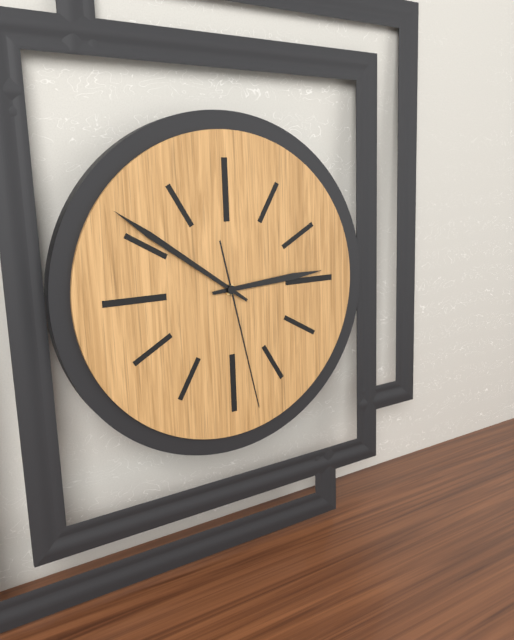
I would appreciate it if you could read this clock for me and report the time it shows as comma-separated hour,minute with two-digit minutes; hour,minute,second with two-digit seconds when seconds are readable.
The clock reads 2,51,28
